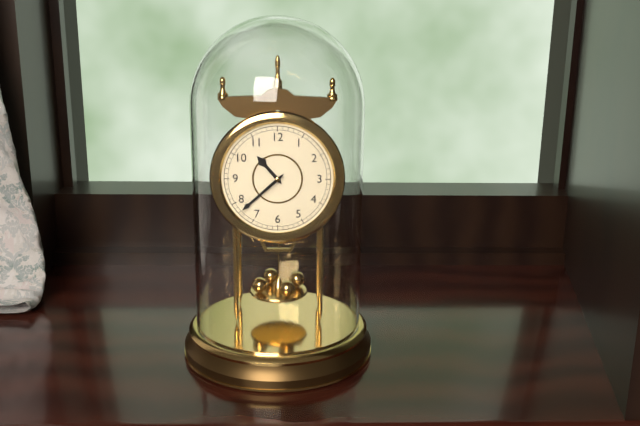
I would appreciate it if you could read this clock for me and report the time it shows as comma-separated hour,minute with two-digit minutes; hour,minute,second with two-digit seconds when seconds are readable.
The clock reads 10,38
